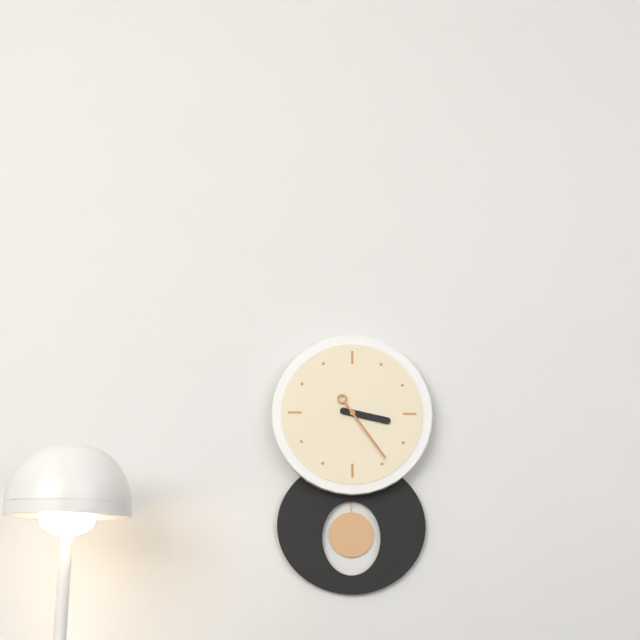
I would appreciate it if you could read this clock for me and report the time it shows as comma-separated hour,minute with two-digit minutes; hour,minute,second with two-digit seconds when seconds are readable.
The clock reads 3,24
